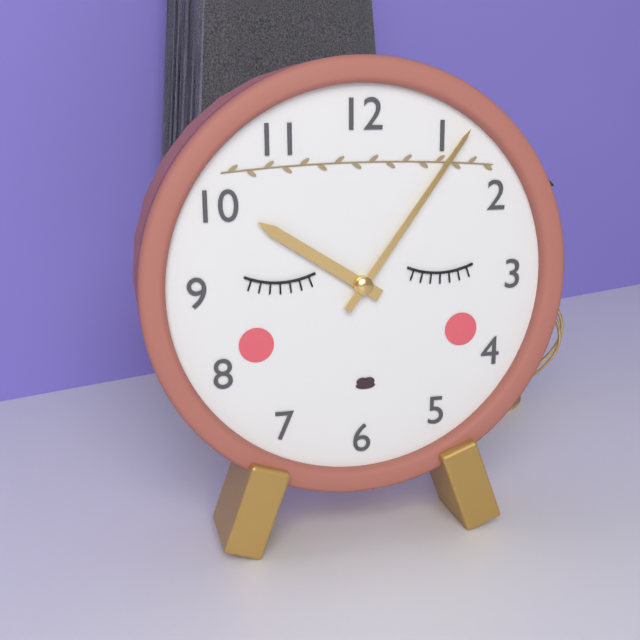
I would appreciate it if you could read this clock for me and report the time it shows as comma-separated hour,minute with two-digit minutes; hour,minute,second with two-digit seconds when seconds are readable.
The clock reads 10,06
